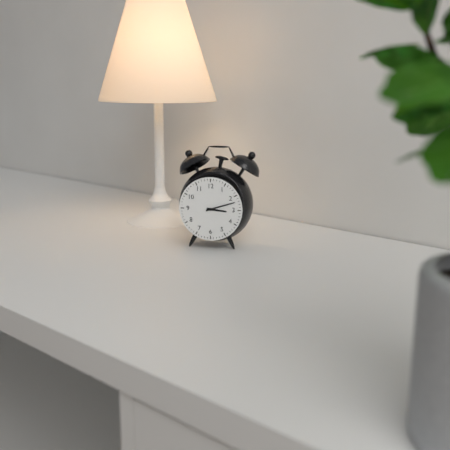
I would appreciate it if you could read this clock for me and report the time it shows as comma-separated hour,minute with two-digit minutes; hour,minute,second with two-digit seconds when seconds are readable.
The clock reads 3,12
